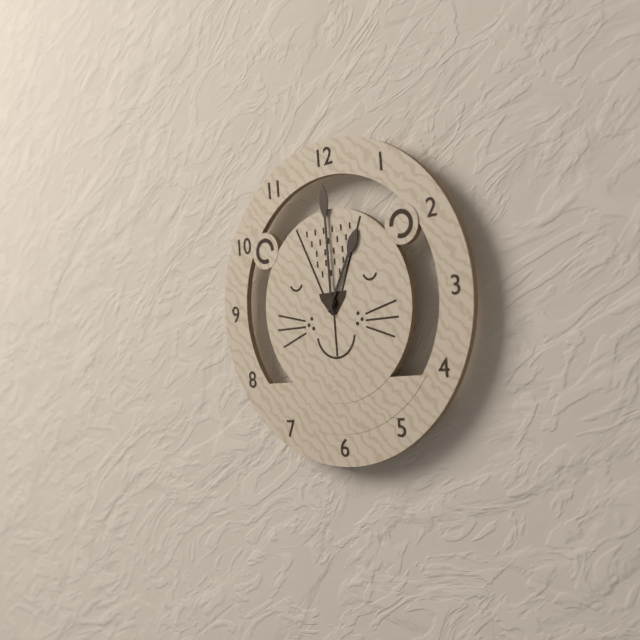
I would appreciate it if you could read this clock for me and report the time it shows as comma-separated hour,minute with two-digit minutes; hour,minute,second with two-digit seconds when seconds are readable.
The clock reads 1,00
